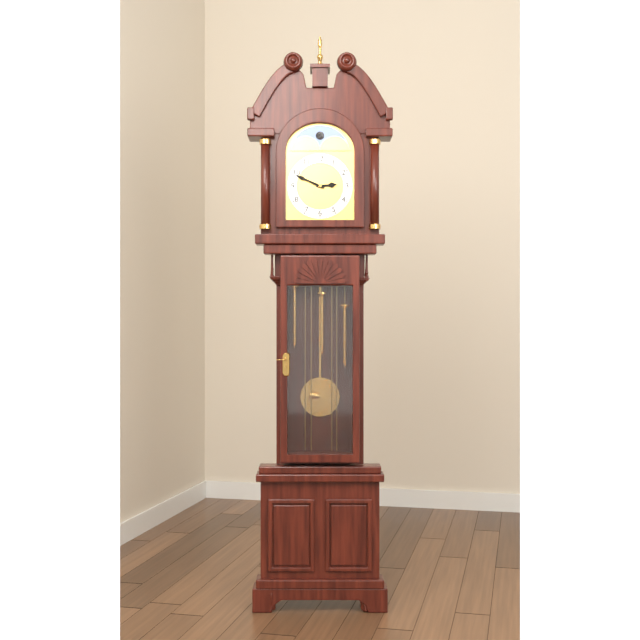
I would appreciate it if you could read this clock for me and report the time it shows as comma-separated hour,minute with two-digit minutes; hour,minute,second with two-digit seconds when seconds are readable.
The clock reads 2,49
